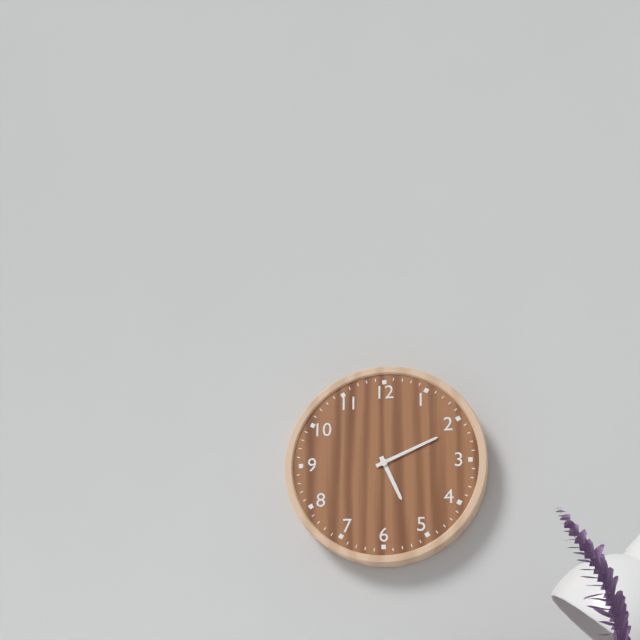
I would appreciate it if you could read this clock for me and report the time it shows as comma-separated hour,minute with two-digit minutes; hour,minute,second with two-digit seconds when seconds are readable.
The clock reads 5,11
